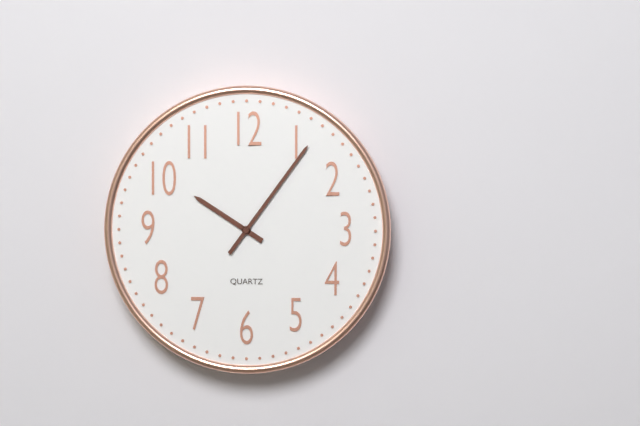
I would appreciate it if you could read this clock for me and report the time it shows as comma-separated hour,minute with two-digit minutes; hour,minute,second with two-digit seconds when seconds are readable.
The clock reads 10,06
